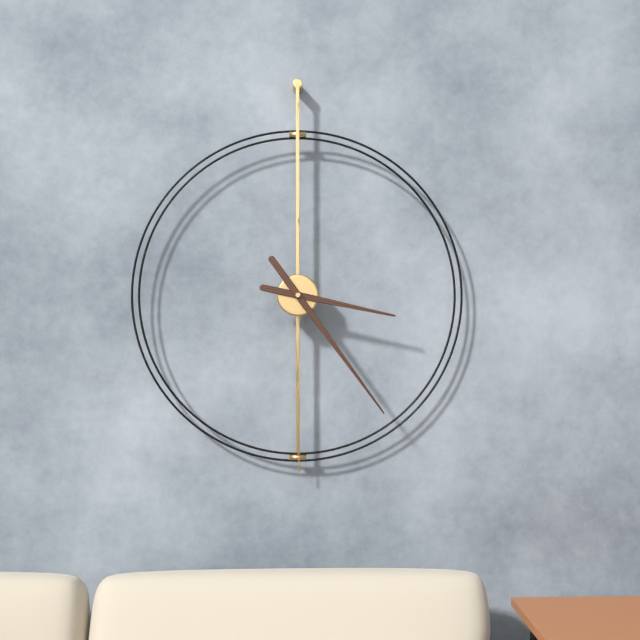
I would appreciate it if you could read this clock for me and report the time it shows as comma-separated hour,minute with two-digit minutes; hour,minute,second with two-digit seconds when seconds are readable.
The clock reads 3,24
